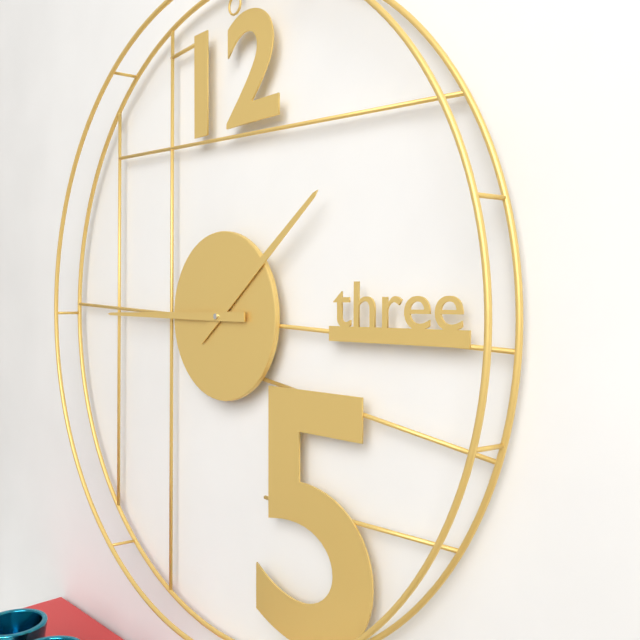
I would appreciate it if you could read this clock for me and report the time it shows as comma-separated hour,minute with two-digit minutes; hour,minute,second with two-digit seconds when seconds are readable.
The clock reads 1,45
